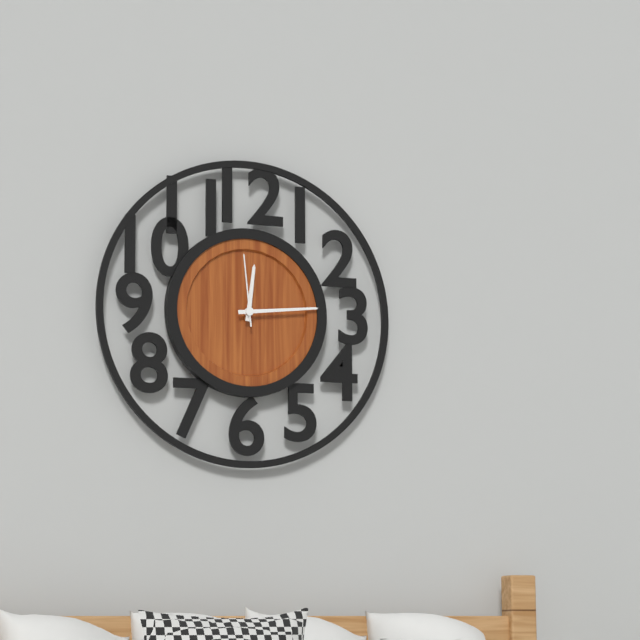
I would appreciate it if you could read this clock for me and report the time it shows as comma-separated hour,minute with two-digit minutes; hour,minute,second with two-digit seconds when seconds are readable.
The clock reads 12,14,59
